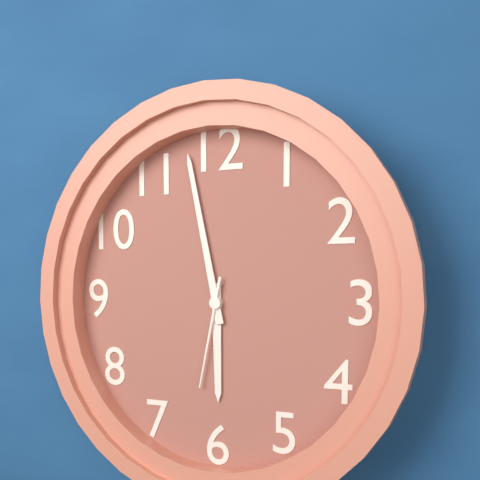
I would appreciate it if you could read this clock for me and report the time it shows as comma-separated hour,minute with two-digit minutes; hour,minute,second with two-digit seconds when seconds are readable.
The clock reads 5,58,32
